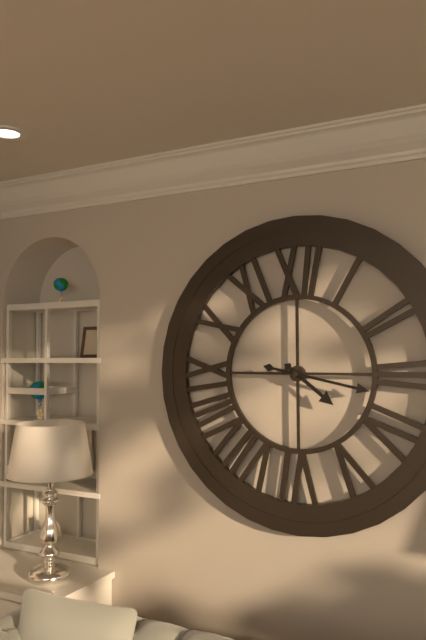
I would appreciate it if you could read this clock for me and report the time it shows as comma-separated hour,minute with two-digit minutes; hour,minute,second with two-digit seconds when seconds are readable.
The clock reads 4,17
